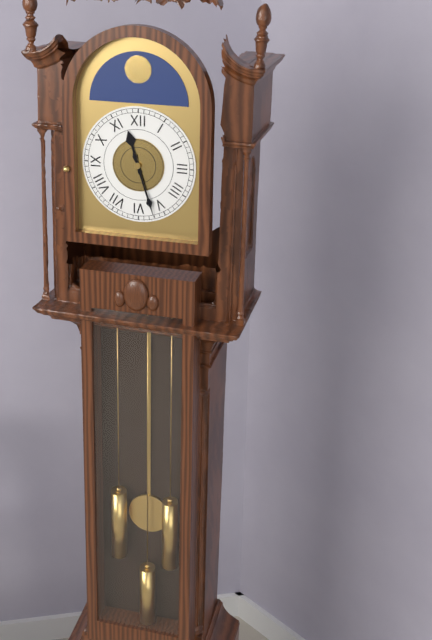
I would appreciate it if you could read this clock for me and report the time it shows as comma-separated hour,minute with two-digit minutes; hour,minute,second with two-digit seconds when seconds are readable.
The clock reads 11,27
